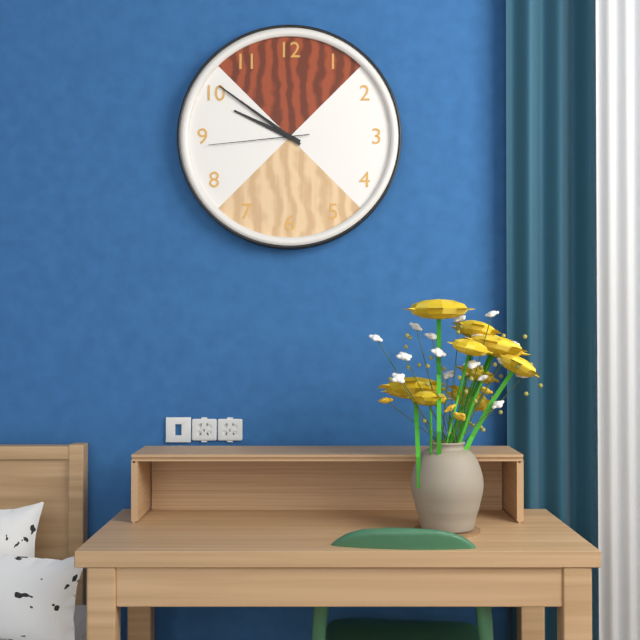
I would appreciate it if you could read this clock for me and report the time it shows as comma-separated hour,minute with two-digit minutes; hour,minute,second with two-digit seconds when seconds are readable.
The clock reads 9,51,44
